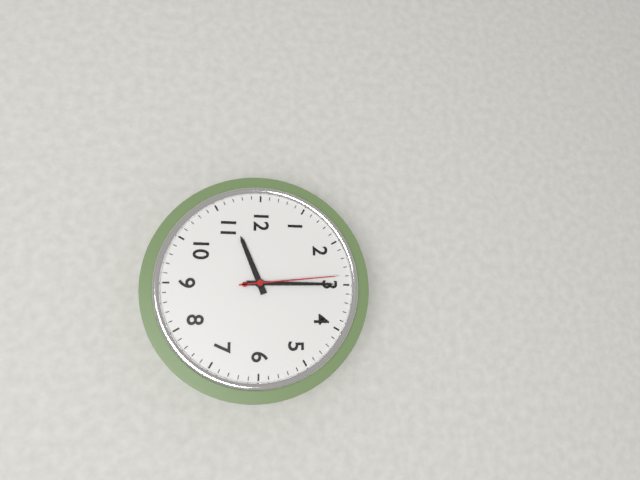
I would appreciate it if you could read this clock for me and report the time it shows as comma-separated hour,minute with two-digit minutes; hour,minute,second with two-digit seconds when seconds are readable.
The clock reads 11,15,14
